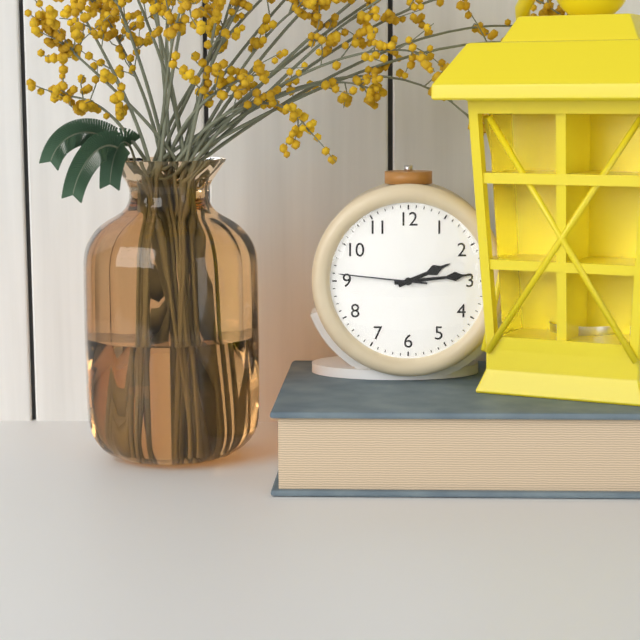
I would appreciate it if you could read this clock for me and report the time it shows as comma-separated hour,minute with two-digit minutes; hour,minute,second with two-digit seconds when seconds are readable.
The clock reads 2,14,46
